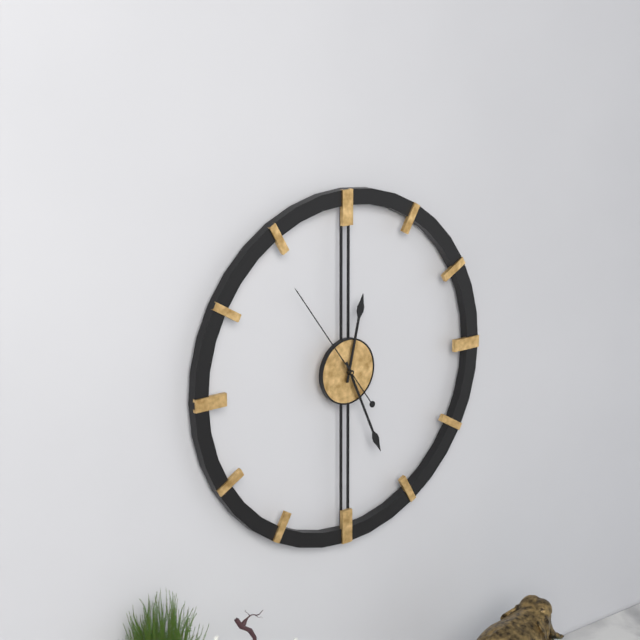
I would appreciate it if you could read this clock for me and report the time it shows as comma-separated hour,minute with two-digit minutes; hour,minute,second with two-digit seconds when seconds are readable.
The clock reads 12,26,54
